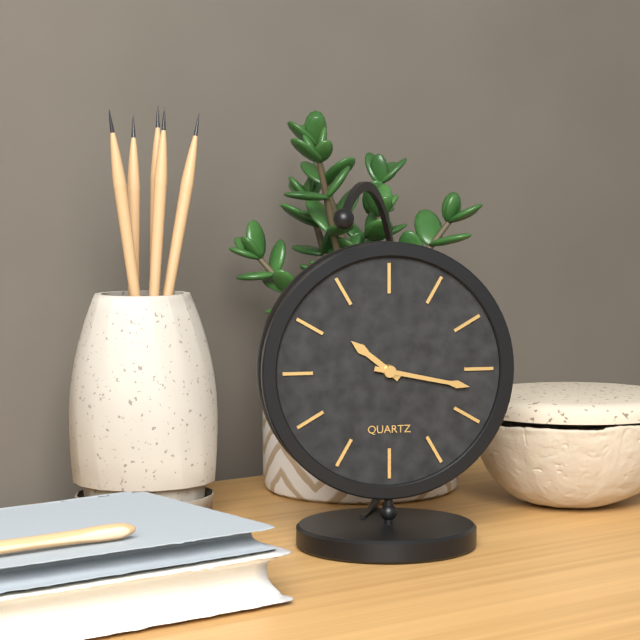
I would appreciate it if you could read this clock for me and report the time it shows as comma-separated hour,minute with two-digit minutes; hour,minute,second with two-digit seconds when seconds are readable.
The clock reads 10,17
